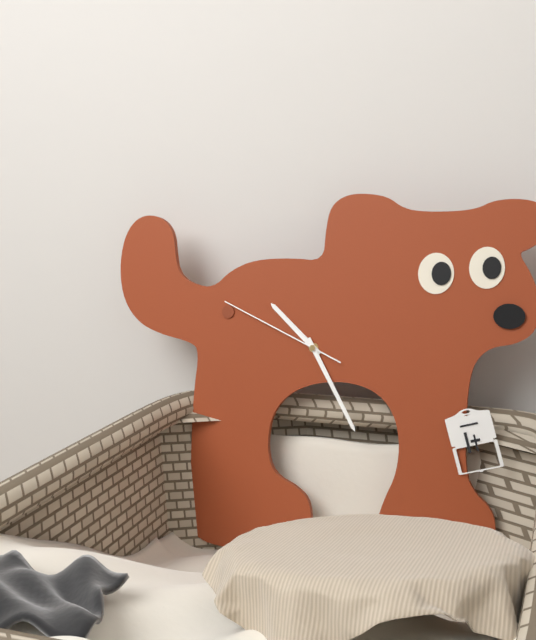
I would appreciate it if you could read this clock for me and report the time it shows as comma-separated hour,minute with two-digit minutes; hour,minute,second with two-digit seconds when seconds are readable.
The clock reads 10,25,49
